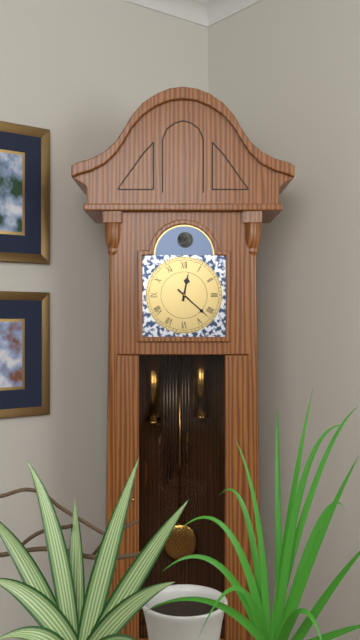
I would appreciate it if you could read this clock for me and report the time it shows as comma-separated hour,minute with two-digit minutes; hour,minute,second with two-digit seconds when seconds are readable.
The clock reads 12,22
